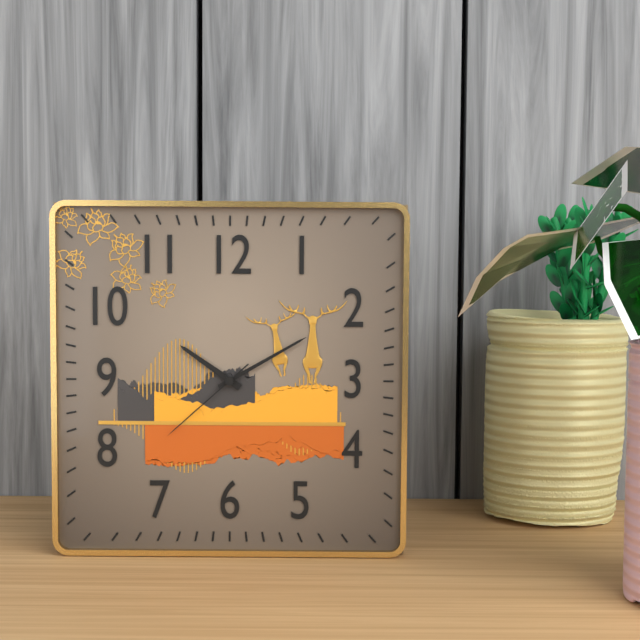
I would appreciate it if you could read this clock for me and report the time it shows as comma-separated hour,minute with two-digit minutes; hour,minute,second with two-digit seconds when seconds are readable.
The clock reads 10,10,38
